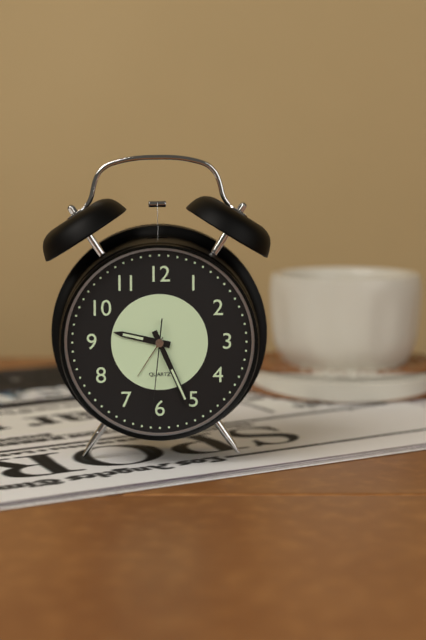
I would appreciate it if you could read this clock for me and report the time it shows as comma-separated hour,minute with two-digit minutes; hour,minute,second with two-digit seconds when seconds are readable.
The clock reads 9,26,31
